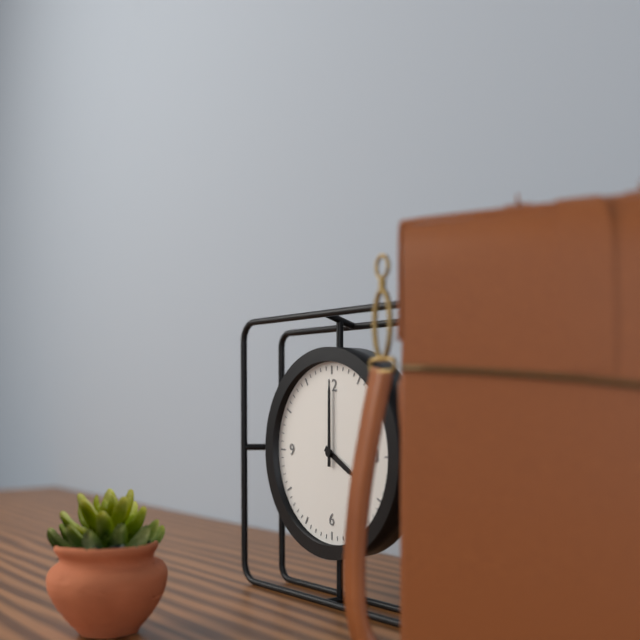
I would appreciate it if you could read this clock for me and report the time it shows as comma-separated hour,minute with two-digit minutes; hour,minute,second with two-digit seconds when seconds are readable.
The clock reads 4,00
